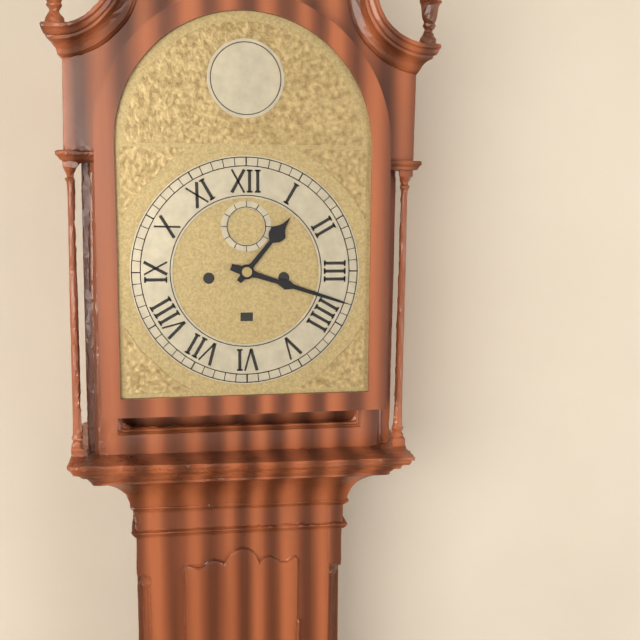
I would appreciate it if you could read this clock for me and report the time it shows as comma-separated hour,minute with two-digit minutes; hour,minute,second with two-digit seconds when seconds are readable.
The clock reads 1,18
